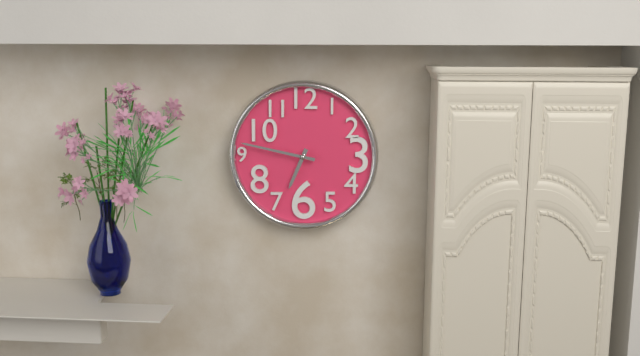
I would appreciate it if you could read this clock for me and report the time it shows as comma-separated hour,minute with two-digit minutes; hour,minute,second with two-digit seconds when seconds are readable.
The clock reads 6,47
